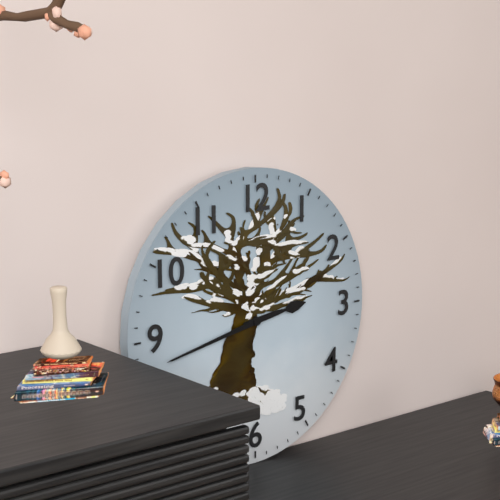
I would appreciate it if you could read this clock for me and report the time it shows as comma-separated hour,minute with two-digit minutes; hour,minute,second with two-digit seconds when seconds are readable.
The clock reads 2,43
